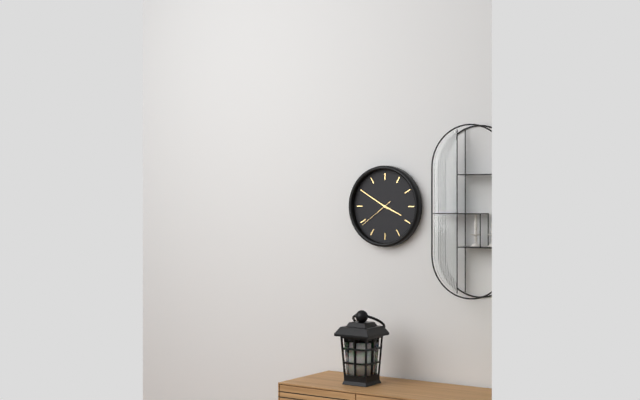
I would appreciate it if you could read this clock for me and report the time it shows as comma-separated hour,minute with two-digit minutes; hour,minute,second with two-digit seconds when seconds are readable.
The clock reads 3,50
